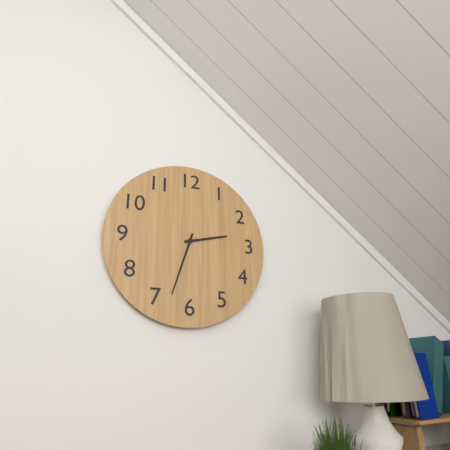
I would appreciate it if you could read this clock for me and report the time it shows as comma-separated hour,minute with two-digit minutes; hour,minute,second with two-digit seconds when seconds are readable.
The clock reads 2,33
